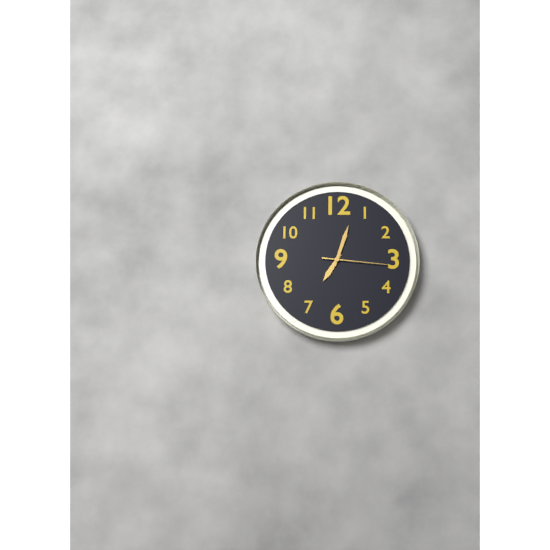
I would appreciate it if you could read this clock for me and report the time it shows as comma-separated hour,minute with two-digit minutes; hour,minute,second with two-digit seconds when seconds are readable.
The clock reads 7,03,16
